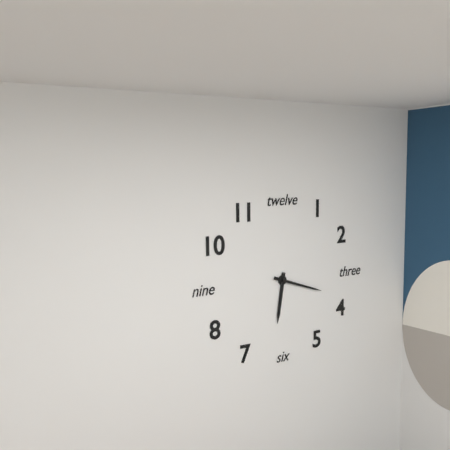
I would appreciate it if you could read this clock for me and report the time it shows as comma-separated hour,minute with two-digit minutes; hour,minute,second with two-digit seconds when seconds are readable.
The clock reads 6,18
